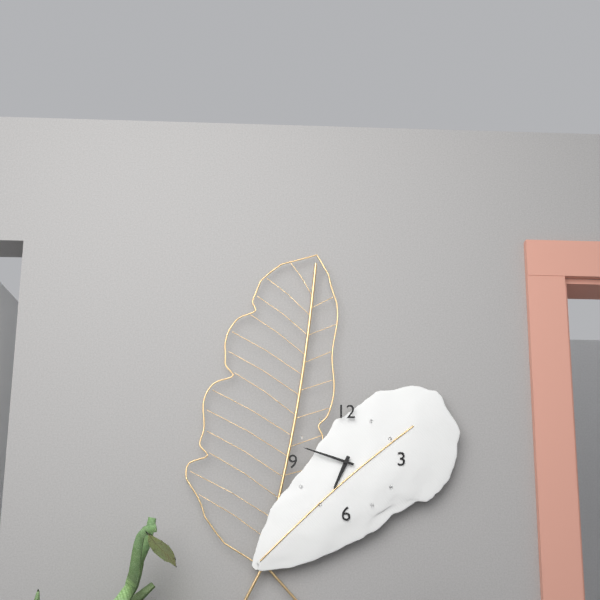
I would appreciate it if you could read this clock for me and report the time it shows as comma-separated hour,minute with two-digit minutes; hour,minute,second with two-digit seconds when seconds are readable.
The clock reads 6,48
